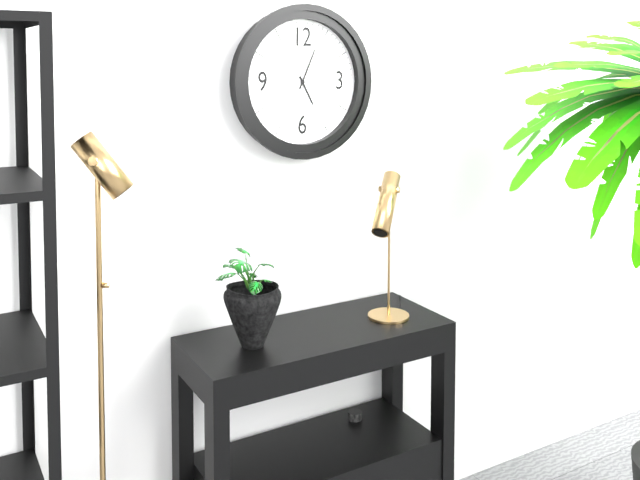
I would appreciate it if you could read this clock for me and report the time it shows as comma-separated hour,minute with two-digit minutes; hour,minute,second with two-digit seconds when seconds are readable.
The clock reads 5,04
